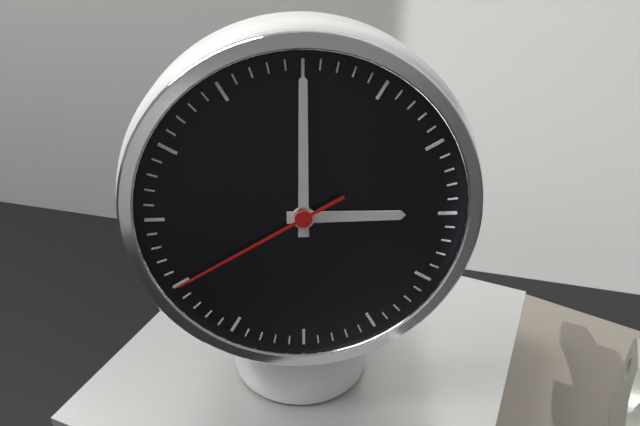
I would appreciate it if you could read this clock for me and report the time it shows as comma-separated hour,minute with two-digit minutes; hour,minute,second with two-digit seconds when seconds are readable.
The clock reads 3,00,40
